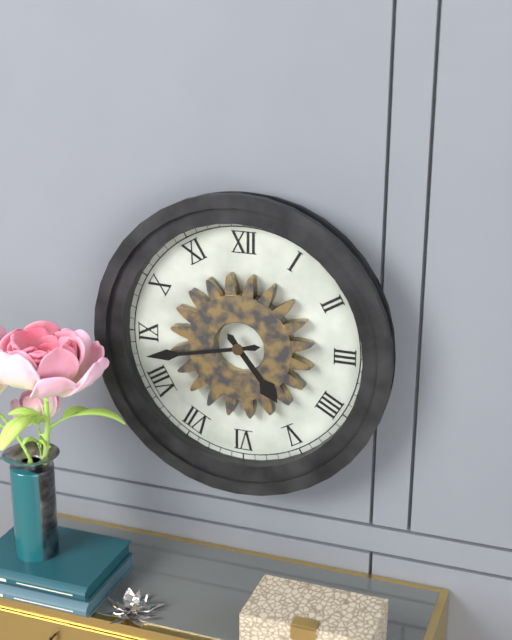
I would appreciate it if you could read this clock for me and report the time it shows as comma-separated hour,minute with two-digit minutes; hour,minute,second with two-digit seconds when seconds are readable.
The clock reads 4,43
